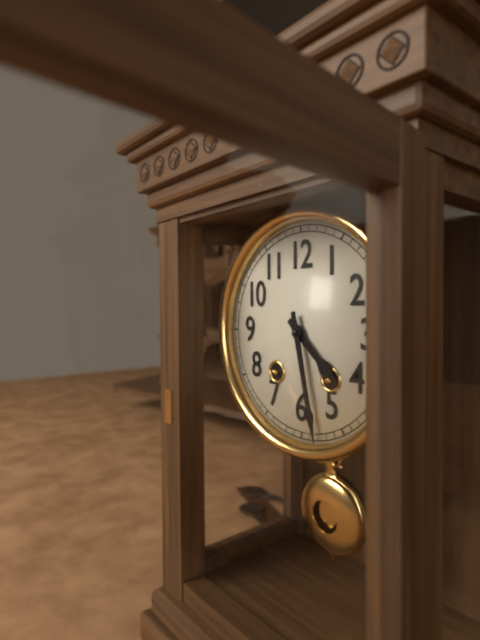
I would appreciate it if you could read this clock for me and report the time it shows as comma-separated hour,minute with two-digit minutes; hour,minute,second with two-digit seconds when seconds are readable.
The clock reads 4,28
